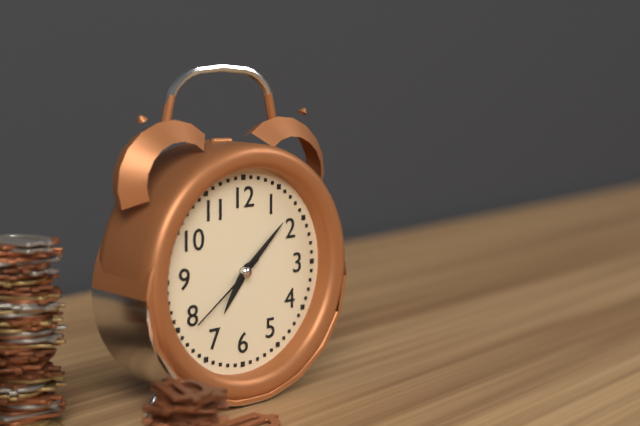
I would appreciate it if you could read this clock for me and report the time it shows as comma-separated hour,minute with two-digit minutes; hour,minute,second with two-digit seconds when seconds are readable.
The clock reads 7,08,39
